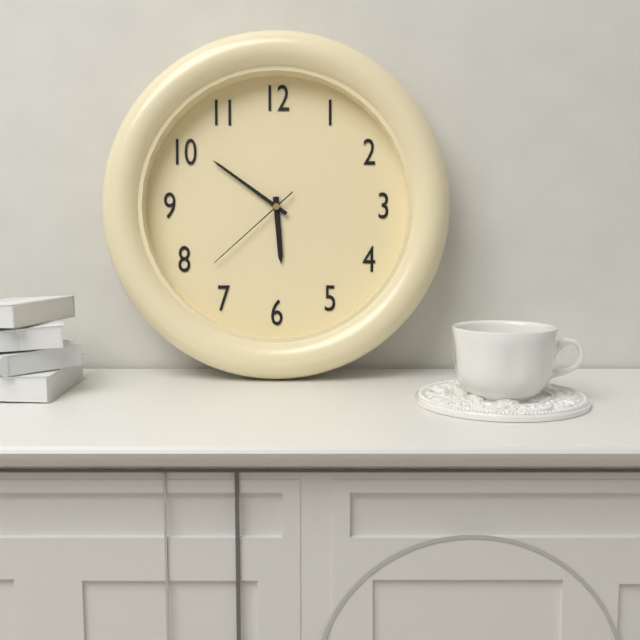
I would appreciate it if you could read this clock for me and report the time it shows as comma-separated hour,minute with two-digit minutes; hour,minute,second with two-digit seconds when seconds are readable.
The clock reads 5,51,38
